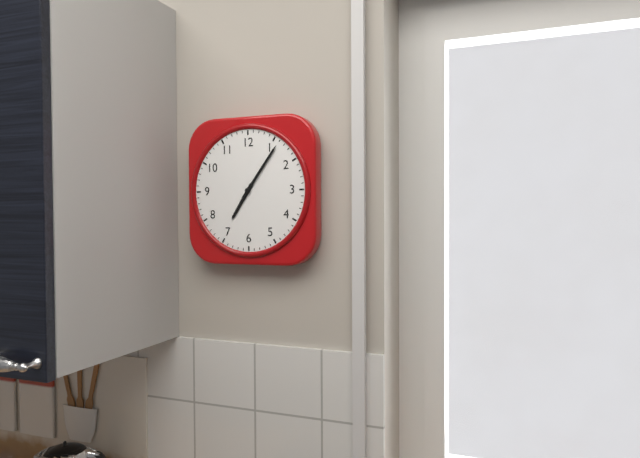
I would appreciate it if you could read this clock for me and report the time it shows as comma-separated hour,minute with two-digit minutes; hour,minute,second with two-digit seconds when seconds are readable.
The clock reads 7,06
